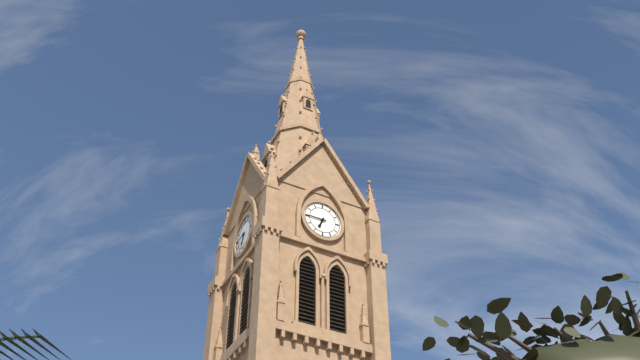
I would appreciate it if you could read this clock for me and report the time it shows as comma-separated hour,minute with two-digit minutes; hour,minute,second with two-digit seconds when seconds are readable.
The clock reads 6,45
